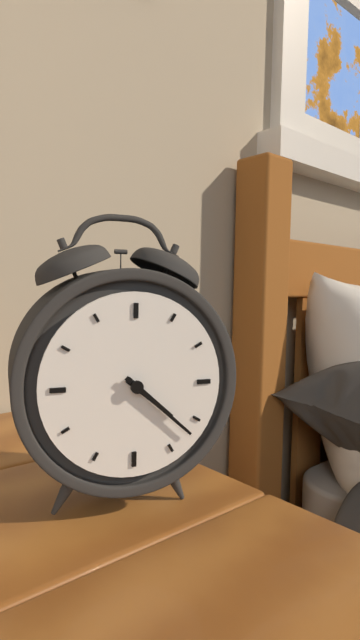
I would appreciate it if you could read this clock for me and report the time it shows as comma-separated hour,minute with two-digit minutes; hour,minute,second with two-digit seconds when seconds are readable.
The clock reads 4,22
